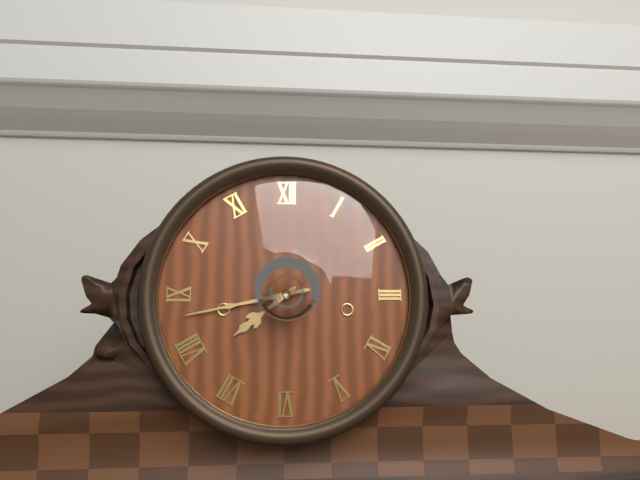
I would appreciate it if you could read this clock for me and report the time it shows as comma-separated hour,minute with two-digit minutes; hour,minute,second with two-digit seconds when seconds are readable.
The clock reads 7,43
